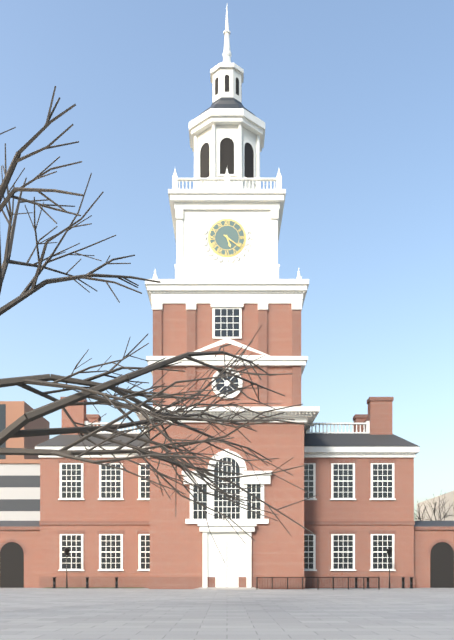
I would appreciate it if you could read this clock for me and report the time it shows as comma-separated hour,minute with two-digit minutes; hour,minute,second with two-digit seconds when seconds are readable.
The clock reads 5,21
